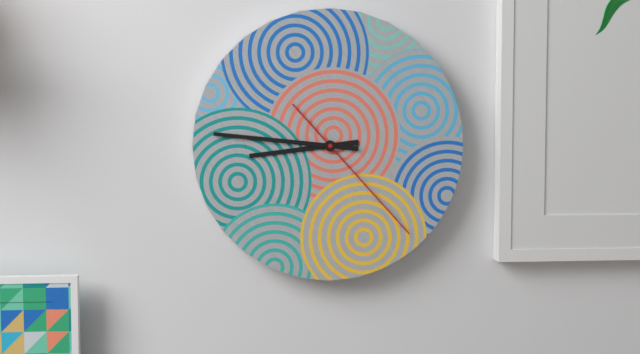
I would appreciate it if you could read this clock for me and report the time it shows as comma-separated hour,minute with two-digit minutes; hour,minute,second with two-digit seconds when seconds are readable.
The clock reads 8,46,23
